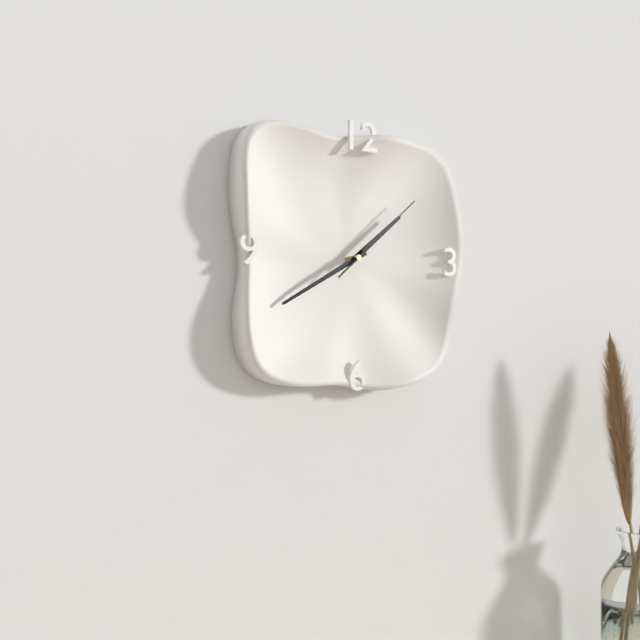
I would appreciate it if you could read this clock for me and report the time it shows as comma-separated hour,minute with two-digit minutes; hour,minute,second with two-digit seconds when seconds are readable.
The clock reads 1,40,08
